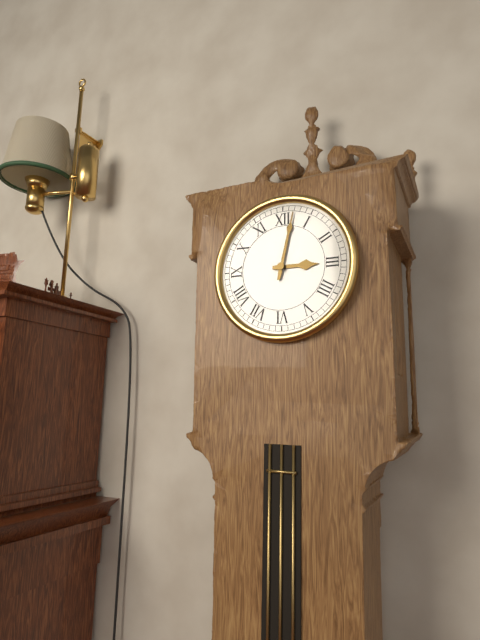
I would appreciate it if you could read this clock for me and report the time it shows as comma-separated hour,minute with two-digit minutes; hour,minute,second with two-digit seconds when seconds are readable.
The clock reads 3,02
